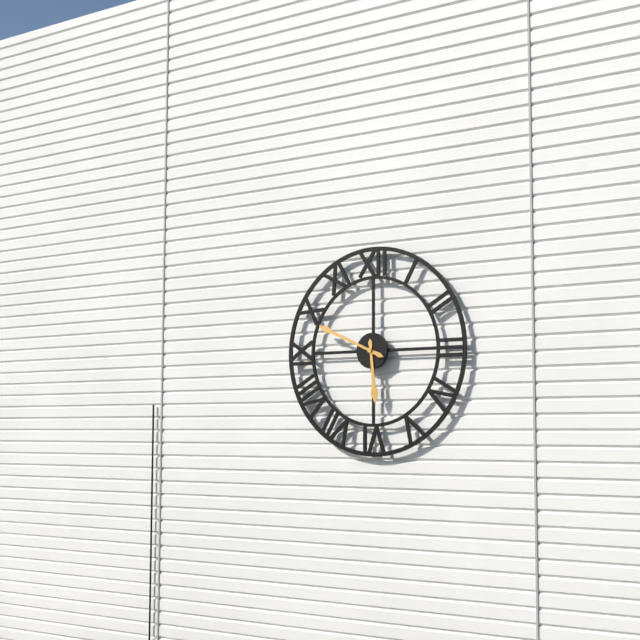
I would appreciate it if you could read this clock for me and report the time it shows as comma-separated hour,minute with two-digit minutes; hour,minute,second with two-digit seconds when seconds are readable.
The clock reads 5,49
